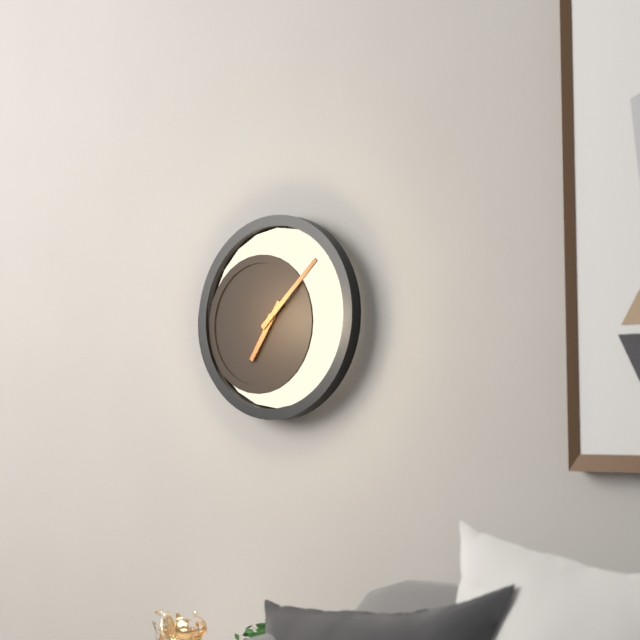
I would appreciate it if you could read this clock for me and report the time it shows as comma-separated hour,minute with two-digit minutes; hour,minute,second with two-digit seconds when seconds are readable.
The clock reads 7,08
